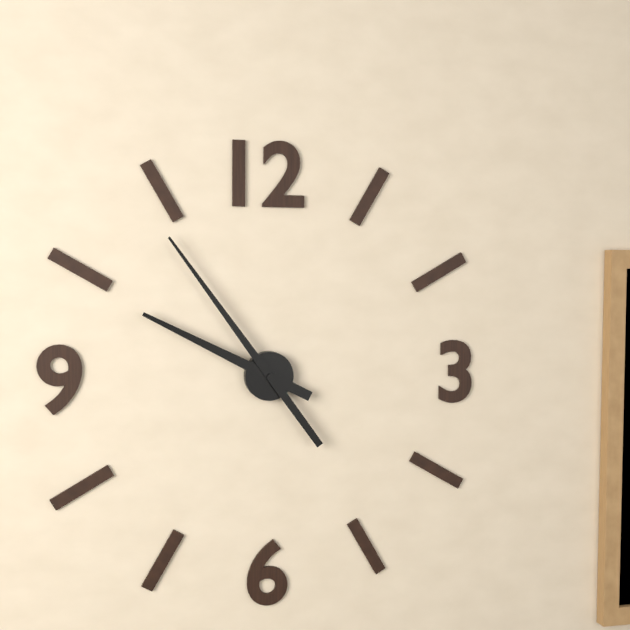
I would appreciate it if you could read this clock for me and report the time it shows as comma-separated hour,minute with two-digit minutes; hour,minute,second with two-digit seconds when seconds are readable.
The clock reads 9,54
